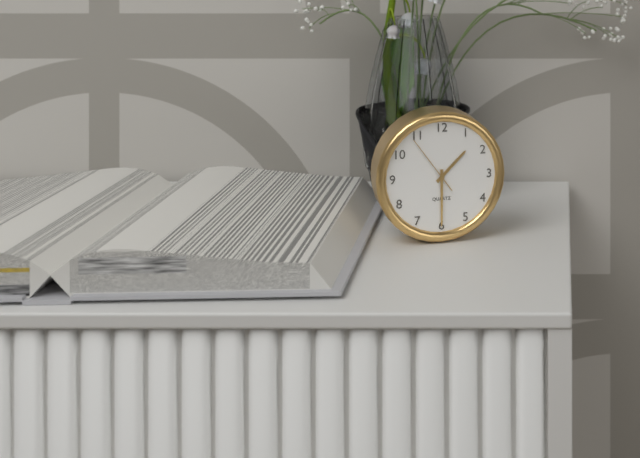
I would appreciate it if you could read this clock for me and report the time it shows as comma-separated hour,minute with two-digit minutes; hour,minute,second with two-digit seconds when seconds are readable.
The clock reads 1,30,54
